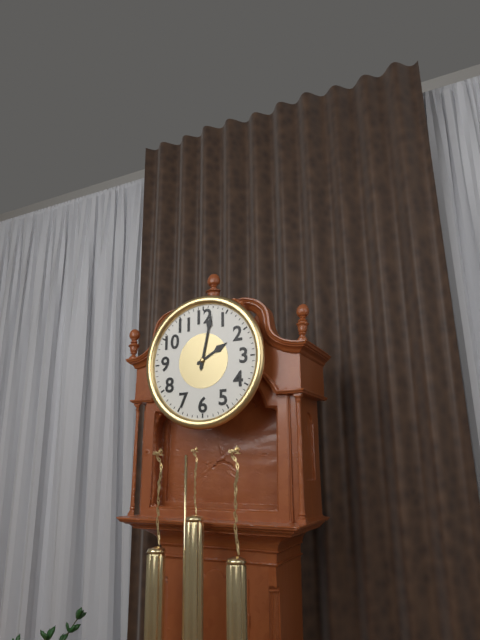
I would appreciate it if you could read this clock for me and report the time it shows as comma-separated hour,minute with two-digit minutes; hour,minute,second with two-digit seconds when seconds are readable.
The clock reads 2,02
